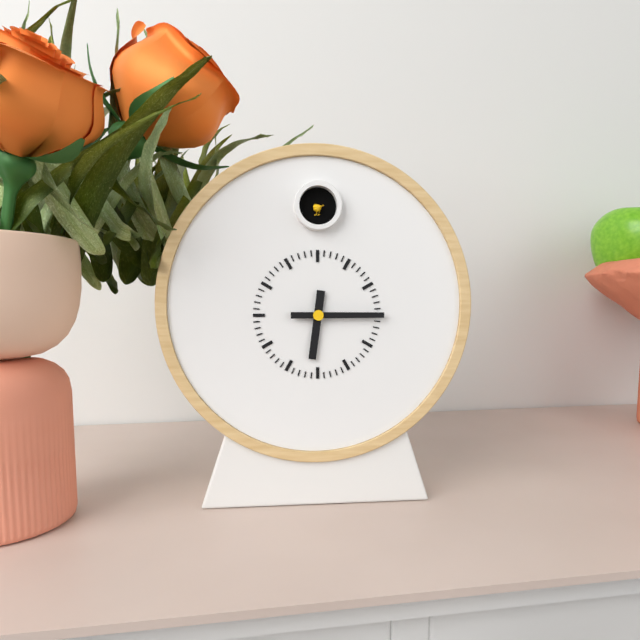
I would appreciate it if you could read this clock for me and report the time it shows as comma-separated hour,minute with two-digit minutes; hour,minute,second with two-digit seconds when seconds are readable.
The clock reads 6,15
